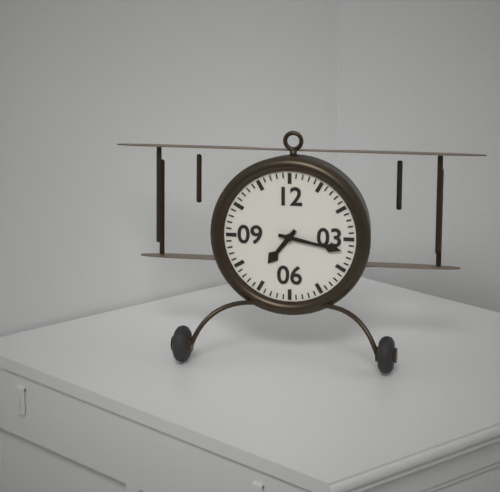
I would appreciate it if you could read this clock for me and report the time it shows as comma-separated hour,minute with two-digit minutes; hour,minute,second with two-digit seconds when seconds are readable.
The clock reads 7,17
